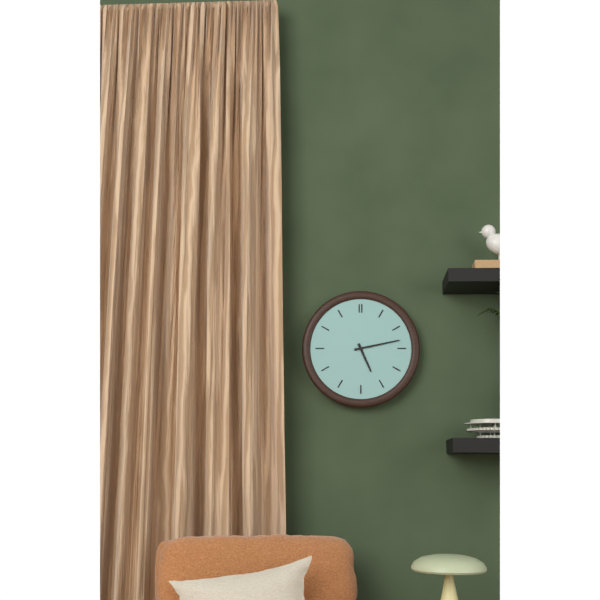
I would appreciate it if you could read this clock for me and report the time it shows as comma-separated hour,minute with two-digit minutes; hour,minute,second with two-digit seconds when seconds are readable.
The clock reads 5,13
